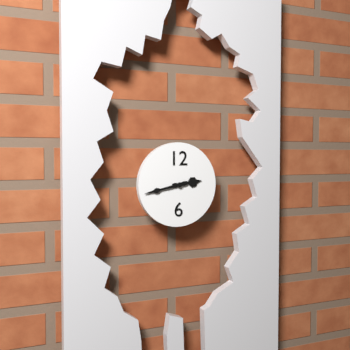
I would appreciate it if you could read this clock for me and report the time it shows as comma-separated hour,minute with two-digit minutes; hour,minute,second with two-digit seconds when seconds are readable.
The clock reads 2,43
